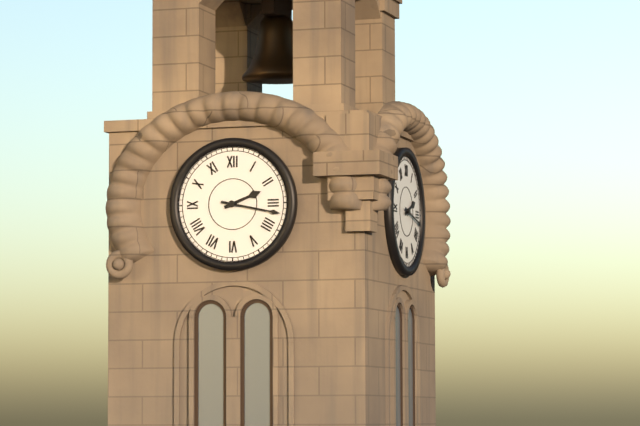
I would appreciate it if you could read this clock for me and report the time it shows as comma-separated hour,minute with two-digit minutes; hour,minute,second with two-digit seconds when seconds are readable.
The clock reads 2,17
